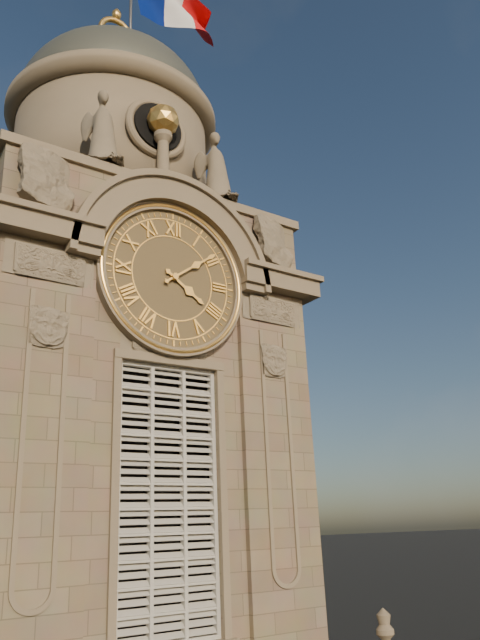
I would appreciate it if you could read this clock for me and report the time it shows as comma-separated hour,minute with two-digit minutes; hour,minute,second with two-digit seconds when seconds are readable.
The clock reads 4,09
